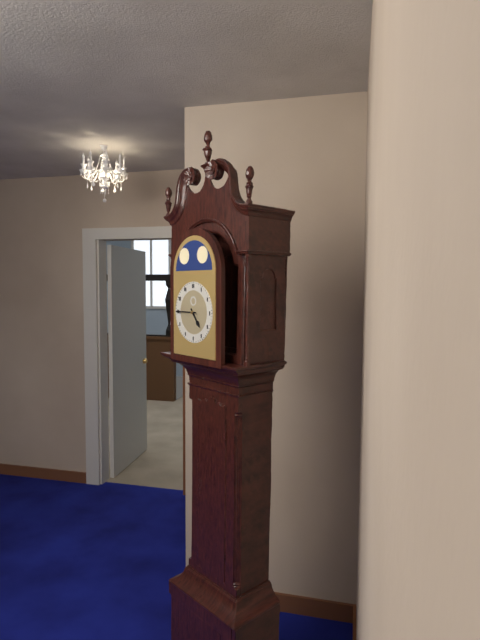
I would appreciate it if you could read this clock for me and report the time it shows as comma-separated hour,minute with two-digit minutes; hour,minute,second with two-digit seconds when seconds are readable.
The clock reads 4,45
